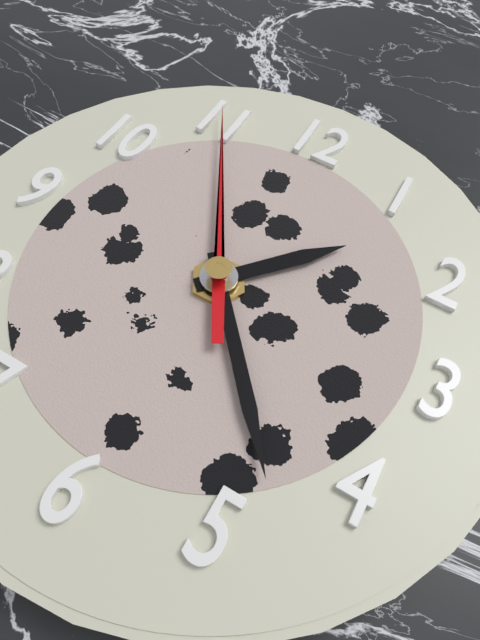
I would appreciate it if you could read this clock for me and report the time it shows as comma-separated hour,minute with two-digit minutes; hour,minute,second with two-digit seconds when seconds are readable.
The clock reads 1,23,55
